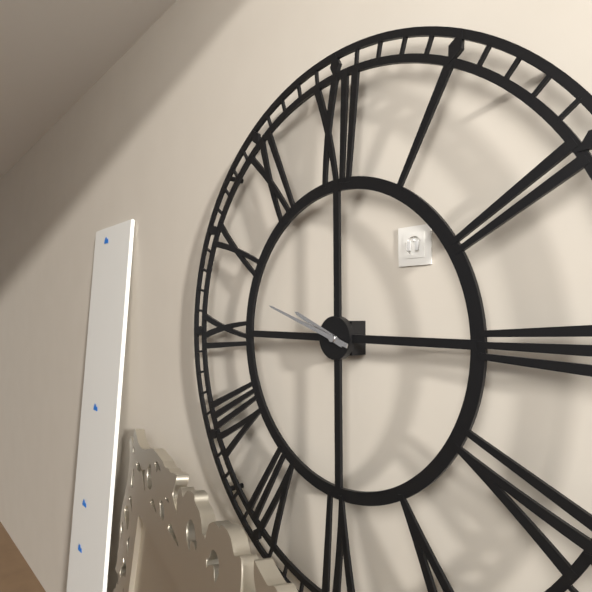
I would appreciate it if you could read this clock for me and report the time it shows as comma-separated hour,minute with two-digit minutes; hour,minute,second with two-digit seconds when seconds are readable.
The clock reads 9,48
